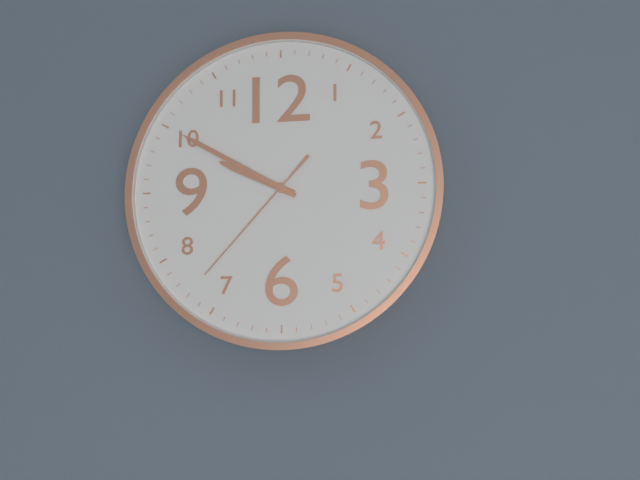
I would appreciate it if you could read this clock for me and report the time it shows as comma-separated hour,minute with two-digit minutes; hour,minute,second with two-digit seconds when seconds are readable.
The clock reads 9,50,37
